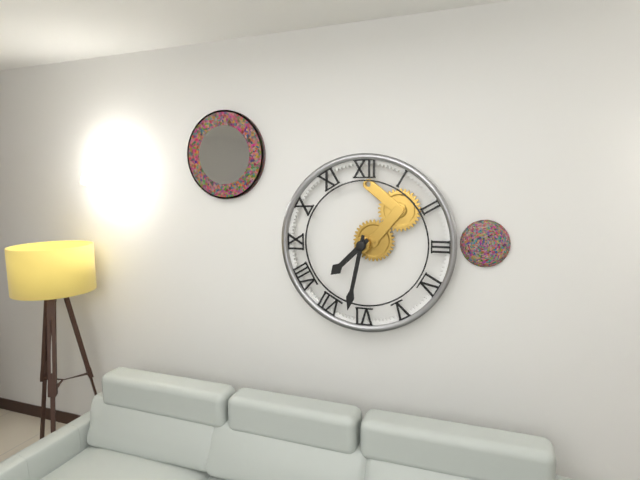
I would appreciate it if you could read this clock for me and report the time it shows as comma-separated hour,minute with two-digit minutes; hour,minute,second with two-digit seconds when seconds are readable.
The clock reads 7,32
